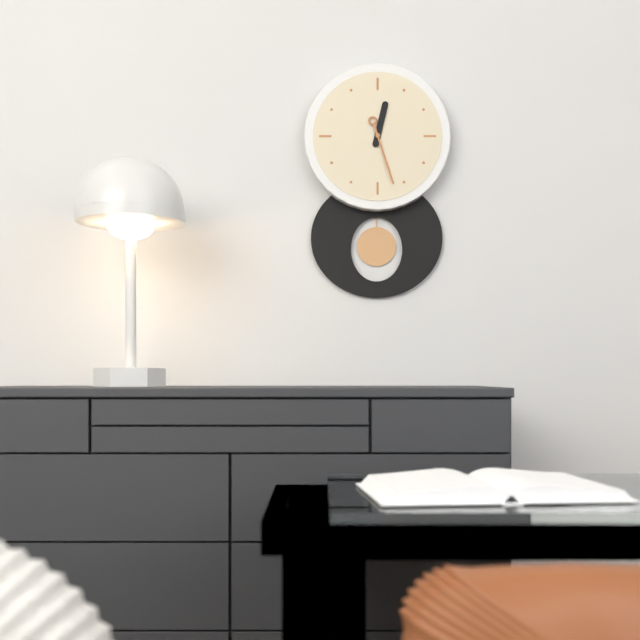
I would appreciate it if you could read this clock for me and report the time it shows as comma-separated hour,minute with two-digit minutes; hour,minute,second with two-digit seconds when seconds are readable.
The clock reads 12,27
